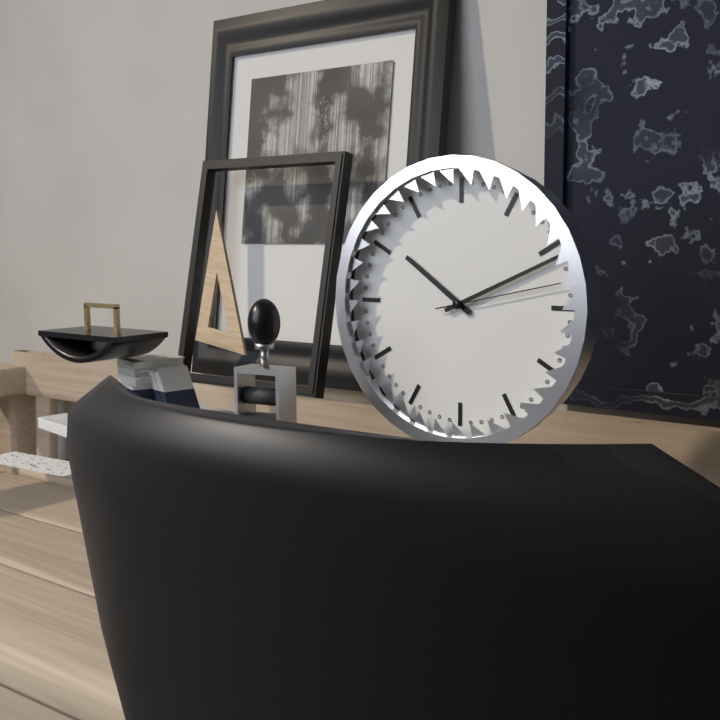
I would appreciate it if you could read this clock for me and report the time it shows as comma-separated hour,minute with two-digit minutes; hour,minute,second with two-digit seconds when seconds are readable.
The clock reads 10,11,13
